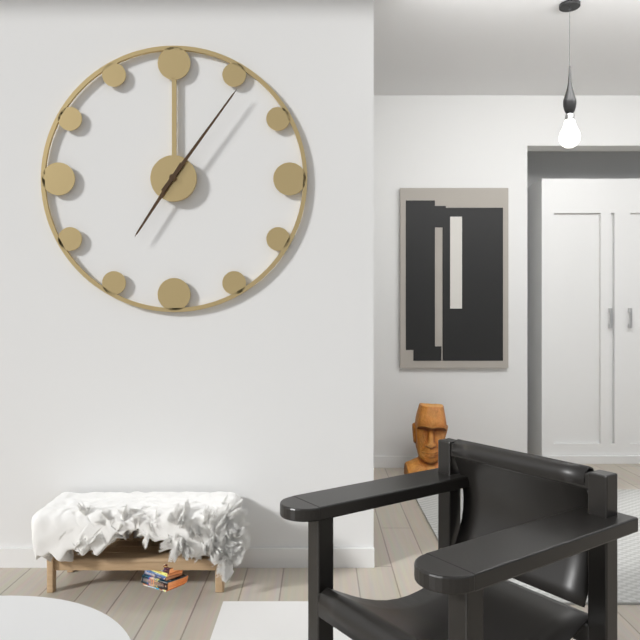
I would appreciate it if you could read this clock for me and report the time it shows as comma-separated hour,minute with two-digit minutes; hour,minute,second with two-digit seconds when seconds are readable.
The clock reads 7,06
